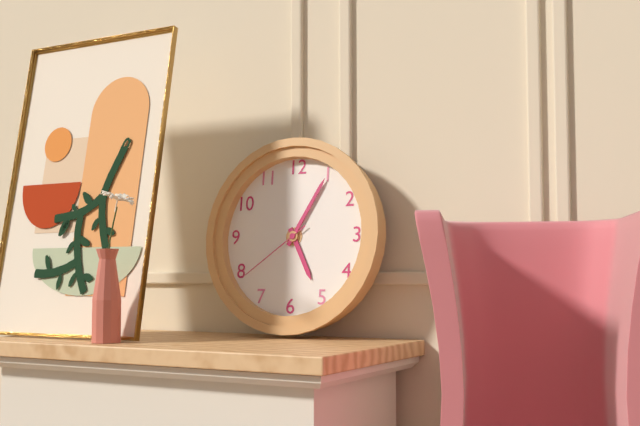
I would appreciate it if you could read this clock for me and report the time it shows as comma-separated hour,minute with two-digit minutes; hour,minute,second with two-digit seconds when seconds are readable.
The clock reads 5,05,39
